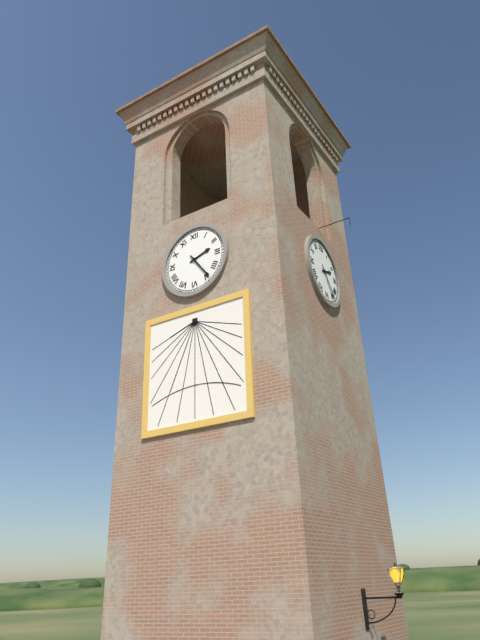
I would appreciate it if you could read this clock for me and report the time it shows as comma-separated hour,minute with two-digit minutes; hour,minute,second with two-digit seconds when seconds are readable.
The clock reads 2,24
